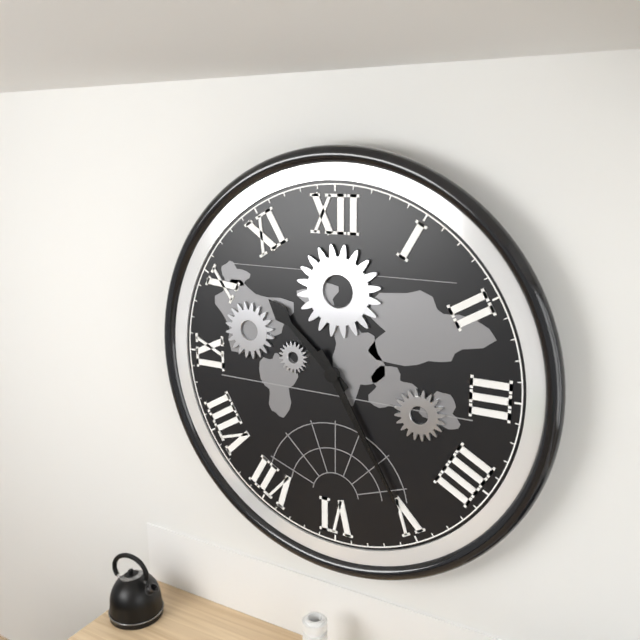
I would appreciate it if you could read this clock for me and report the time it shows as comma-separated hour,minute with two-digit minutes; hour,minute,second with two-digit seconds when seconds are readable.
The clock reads 10,25
